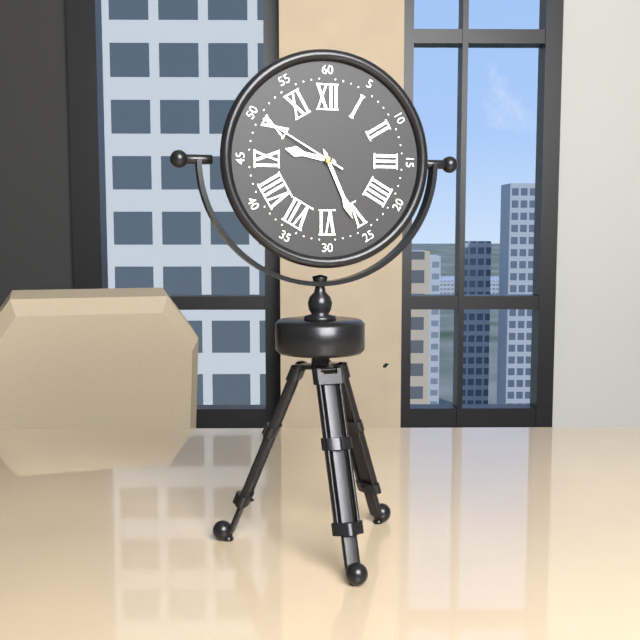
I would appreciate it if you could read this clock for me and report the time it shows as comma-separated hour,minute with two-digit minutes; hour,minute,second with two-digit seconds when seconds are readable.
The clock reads 9,26,50
